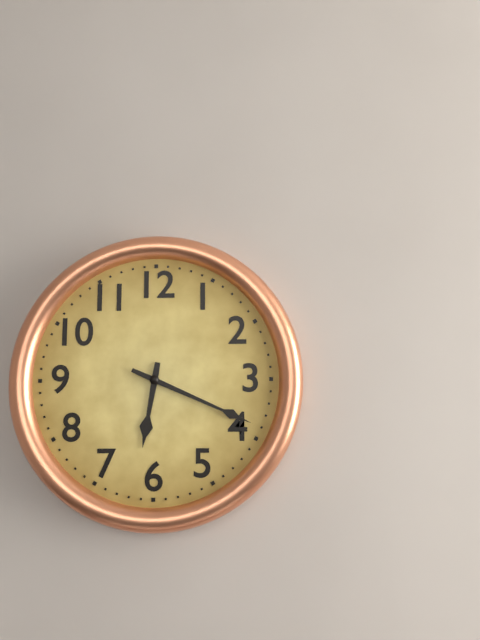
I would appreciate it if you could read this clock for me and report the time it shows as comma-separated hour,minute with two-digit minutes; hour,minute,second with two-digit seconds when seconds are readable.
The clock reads 6,19
